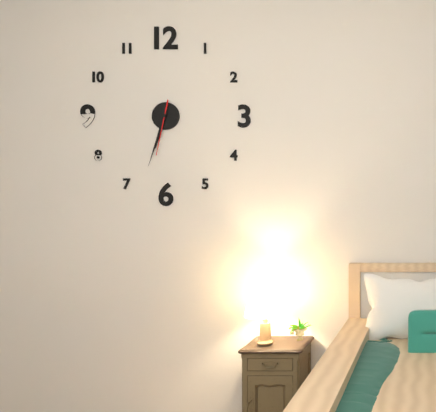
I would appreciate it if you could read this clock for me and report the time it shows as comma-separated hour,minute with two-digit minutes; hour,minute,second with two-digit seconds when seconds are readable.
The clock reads 6,33,32
